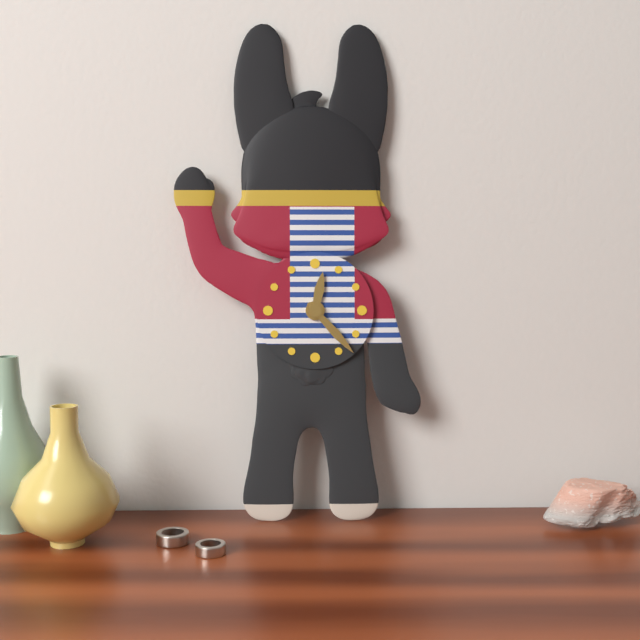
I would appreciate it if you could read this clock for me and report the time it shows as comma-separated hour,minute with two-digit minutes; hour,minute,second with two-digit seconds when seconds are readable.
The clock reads 12,23
